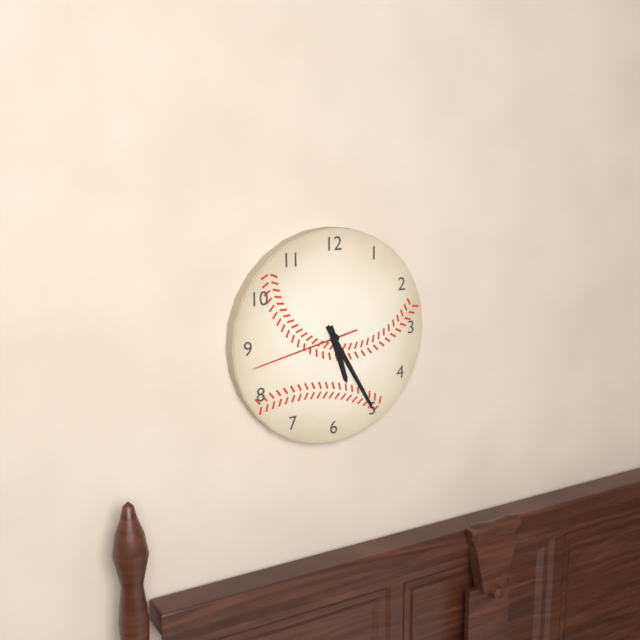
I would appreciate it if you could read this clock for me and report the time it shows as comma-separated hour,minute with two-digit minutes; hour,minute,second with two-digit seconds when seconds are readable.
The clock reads 5,25,43
